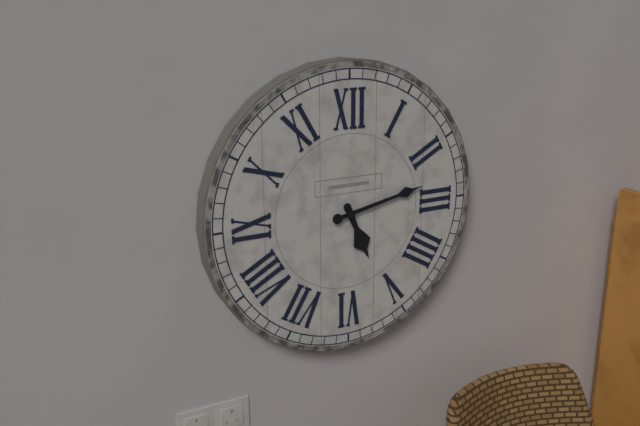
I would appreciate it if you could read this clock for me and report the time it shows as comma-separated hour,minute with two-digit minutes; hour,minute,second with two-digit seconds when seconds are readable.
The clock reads 5,13
